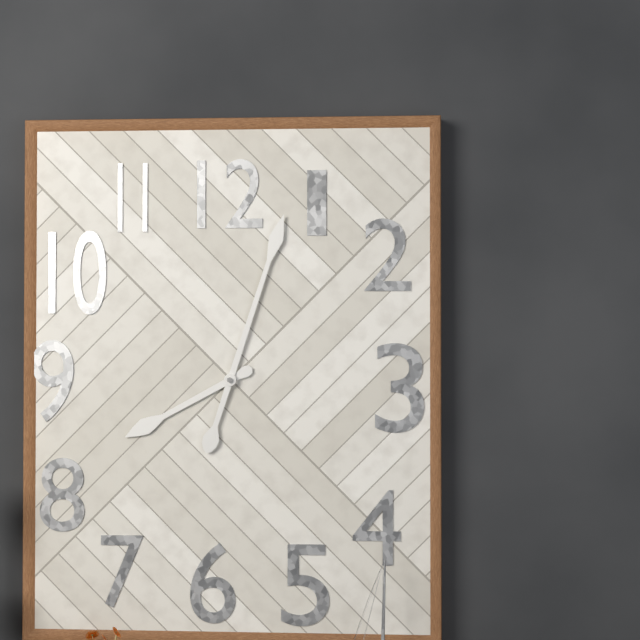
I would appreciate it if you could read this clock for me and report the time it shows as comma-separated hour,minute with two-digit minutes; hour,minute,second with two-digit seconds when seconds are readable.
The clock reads 8,03
